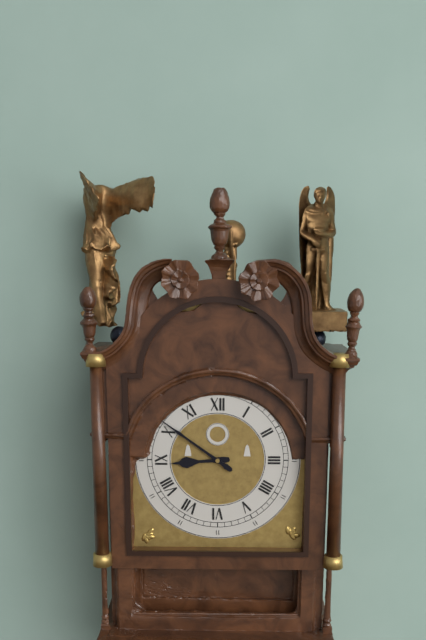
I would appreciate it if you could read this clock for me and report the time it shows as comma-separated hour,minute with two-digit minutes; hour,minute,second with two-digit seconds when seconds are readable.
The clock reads 8,51
